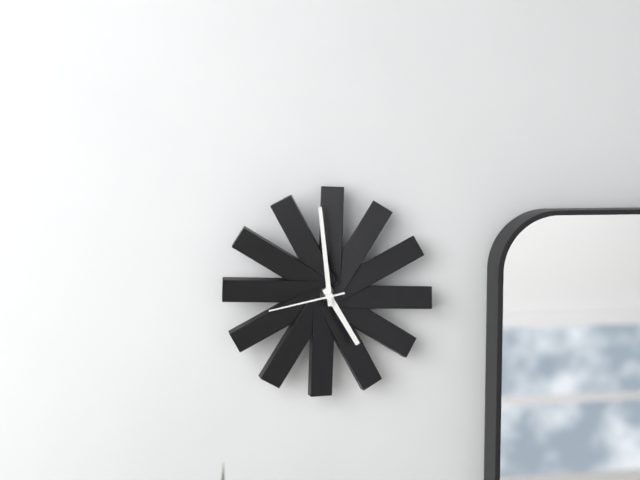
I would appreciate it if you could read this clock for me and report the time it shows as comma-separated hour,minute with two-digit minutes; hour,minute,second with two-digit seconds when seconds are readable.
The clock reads 4,59,43
